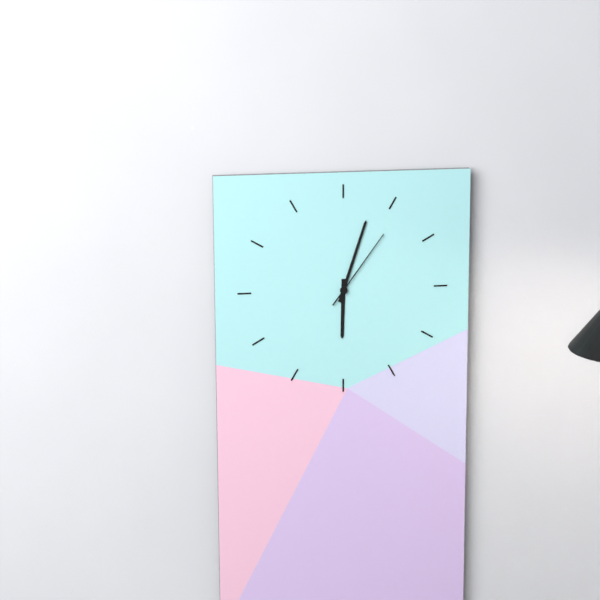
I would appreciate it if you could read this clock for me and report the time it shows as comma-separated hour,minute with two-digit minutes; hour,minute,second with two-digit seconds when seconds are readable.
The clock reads 6,03,06
